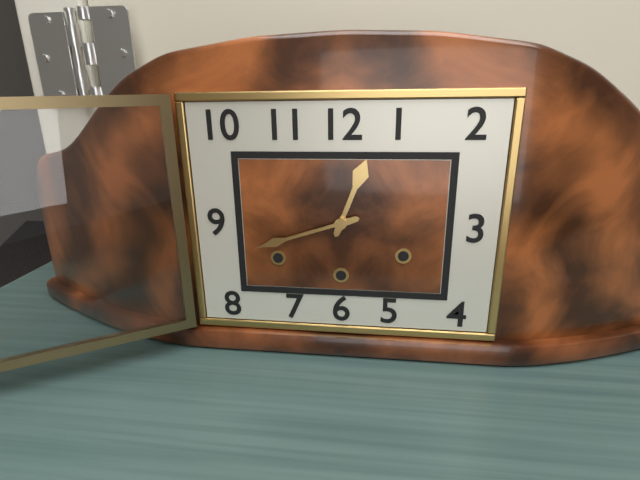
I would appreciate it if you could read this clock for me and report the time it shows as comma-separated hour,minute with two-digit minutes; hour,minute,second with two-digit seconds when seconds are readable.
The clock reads 12,42
